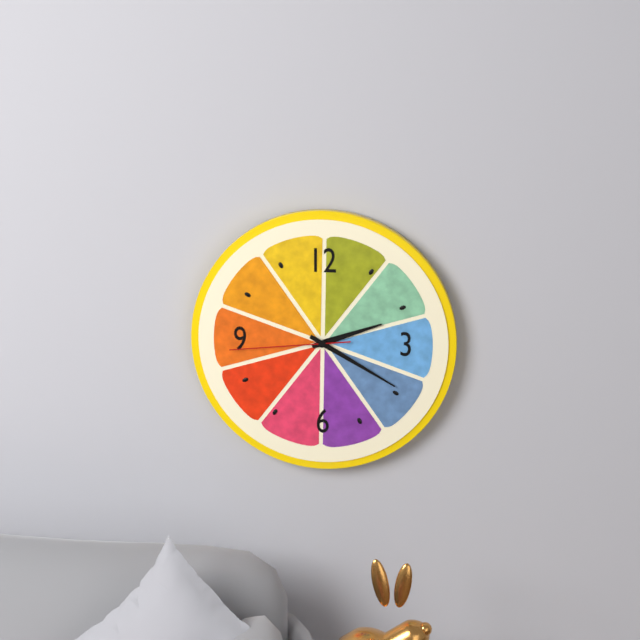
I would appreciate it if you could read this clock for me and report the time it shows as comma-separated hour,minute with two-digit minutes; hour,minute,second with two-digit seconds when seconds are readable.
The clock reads 2,20,44
